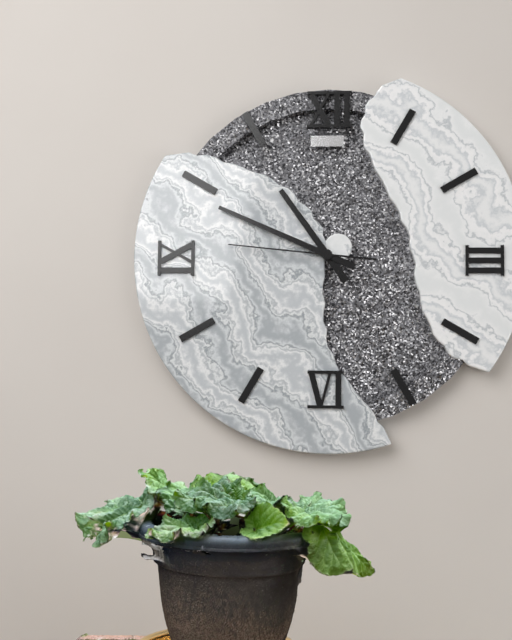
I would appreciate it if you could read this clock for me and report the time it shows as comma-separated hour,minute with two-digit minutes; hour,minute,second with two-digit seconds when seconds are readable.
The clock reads 10,49,46
